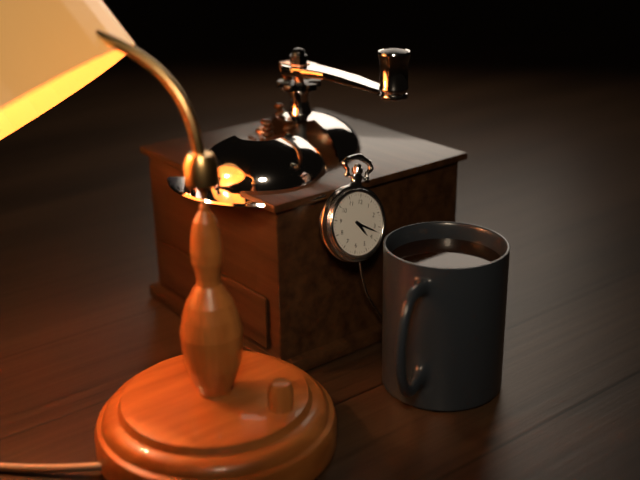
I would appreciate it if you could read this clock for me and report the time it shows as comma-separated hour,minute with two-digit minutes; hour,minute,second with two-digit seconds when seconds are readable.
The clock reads 4,17
